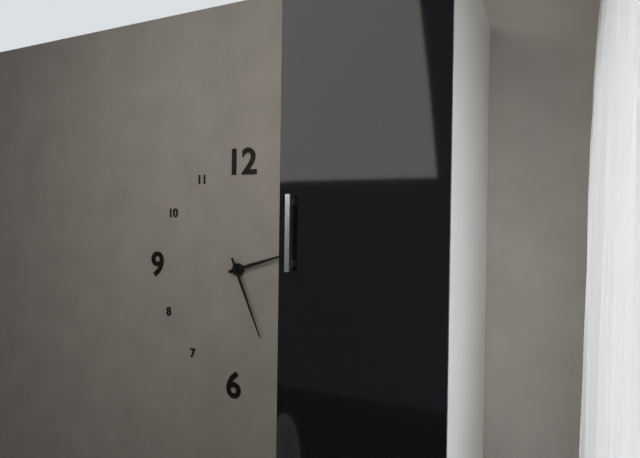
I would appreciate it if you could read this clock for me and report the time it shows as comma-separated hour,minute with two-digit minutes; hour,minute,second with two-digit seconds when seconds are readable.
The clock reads 2,26
